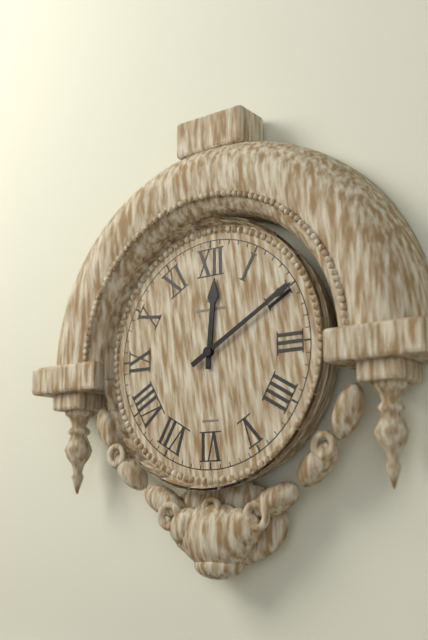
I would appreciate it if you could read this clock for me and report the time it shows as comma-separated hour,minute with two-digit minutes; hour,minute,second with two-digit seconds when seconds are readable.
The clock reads 12,10
